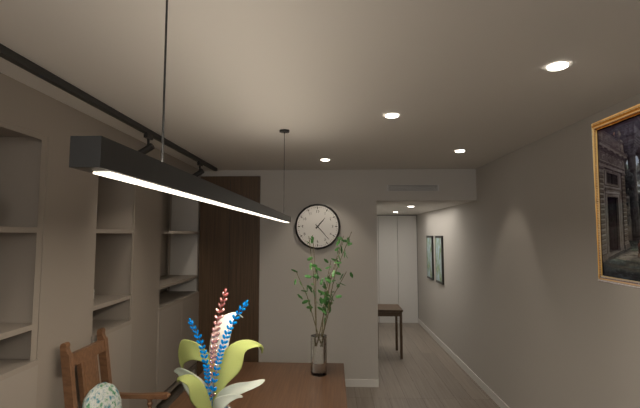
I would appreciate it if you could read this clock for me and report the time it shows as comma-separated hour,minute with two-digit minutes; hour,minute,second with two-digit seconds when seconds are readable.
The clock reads 1,23
